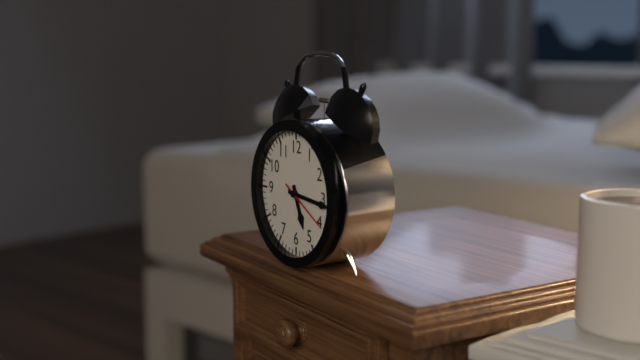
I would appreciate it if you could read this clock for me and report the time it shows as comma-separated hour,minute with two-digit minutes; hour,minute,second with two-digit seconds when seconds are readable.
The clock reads 5,16,20
